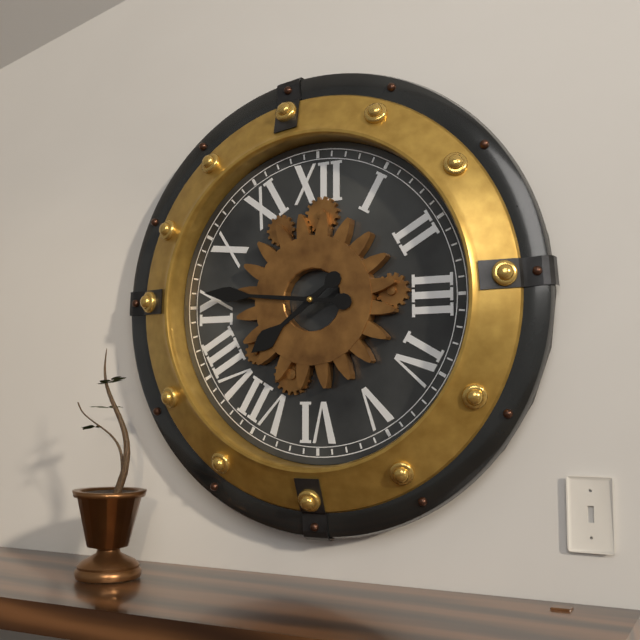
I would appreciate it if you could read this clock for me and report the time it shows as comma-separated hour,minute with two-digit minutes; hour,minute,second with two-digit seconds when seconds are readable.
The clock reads 7,46
